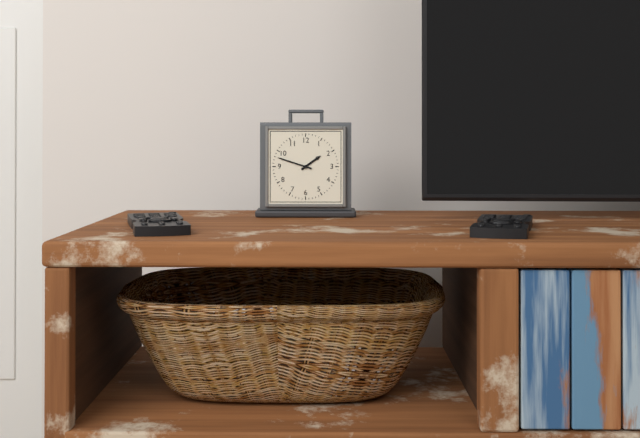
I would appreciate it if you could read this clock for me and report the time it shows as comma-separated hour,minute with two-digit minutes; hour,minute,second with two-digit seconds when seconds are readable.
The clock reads 1,48
